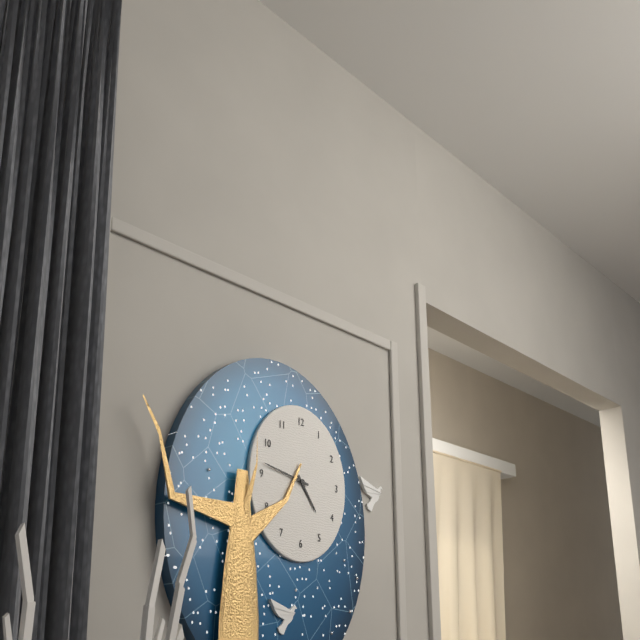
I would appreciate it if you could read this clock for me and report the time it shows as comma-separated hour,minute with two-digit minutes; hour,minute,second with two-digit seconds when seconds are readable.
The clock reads 4,47
